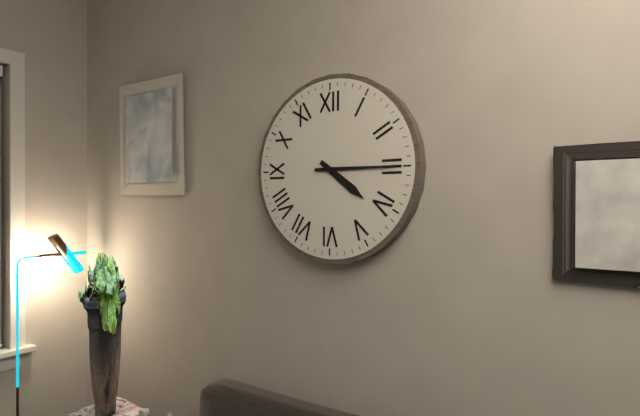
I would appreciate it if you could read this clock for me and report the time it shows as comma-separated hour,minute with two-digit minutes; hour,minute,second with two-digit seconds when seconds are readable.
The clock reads 4,15
